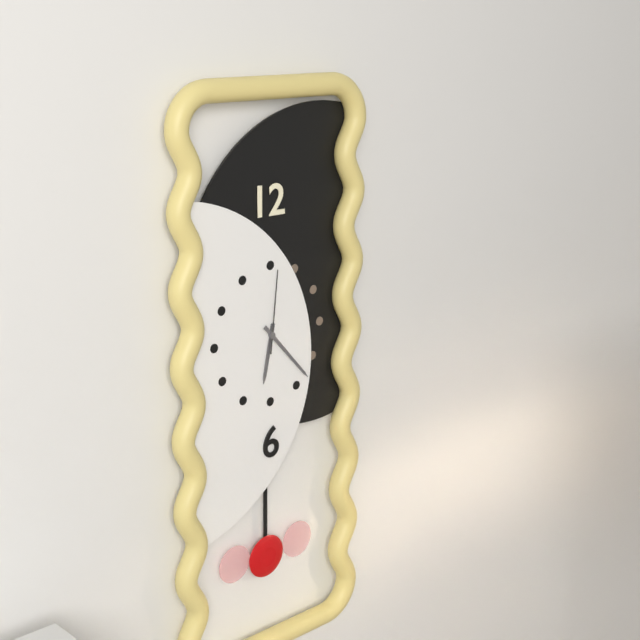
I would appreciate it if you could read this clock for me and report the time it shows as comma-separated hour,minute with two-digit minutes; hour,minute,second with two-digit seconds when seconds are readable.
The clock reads 6,23,01
